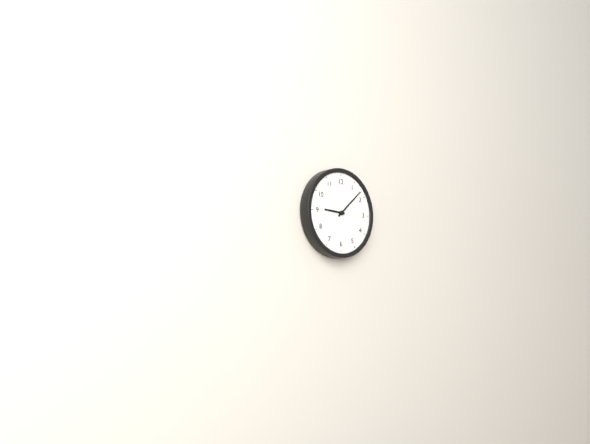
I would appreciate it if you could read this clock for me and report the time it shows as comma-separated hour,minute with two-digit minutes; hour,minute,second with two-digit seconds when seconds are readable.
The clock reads 9,08
